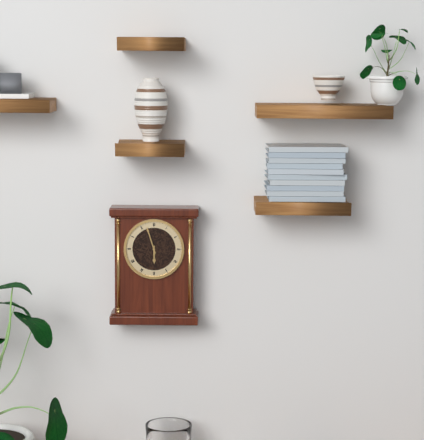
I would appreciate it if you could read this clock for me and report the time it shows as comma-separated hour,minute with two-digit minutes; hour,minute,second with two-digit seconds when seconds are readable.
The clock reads 5,57
